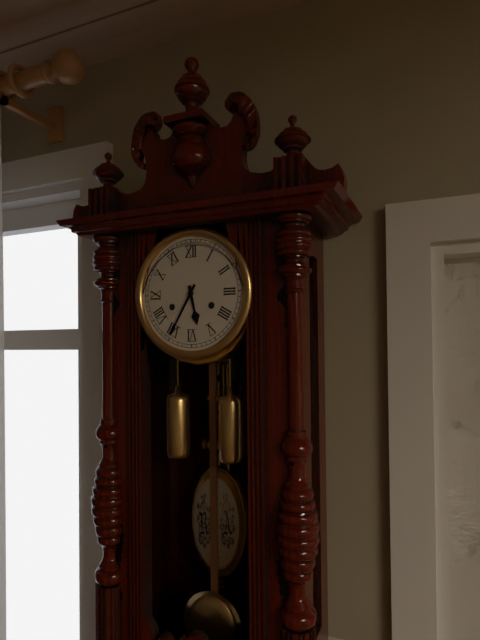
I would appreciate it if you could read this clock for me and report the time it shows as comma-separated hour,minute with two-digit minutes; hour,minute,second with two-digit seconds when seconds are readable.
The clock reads 5,35
